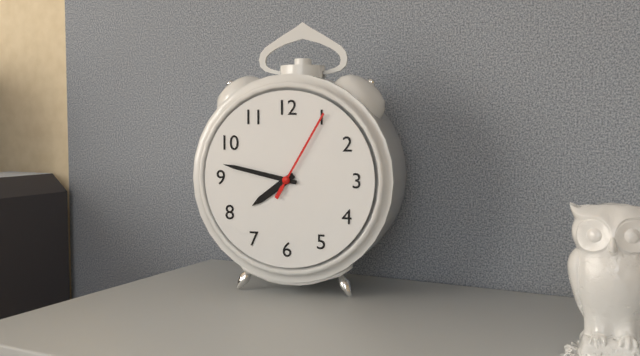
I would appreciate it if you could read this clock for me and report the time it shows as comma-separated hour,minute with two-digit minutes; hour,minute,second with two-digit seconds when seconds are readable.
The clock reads 7,47,05
